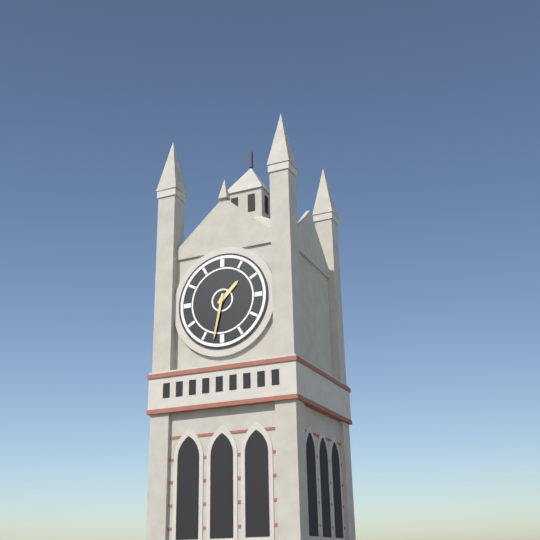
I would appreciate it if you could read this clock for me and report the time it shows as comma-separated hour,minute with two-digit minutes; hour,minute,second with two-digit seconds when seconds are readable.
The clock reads 1,32
